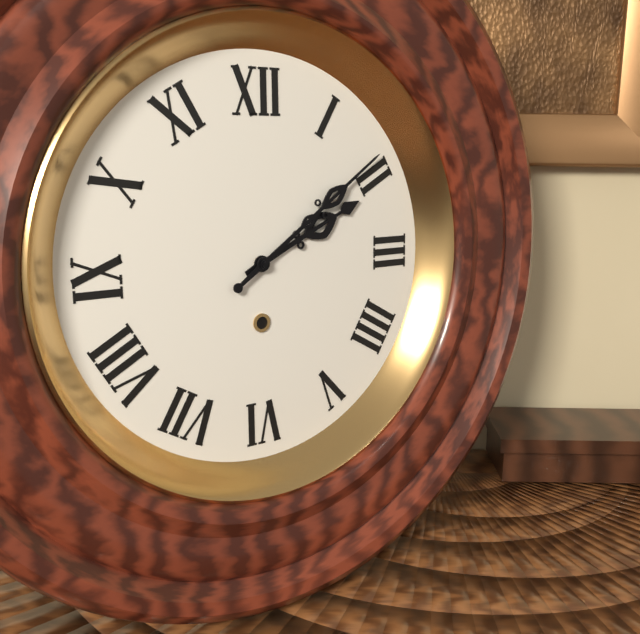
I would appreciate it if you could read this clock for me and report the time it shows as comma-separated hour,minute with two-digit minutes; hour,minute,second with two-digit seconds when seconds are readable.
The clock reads 2,09
